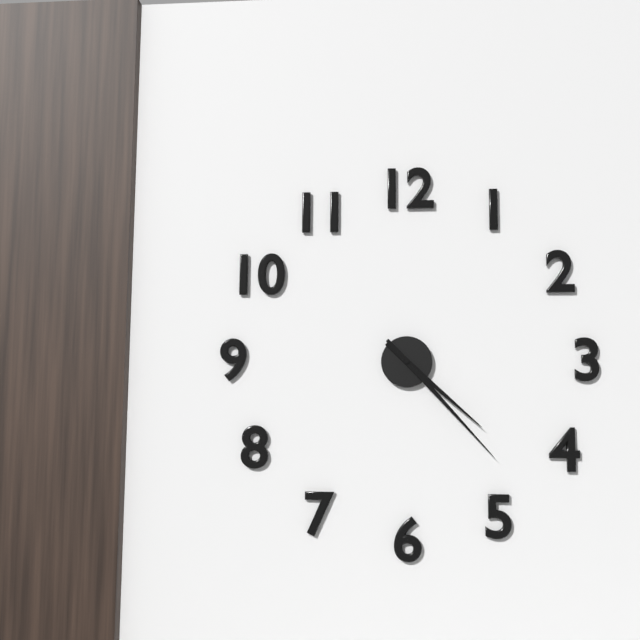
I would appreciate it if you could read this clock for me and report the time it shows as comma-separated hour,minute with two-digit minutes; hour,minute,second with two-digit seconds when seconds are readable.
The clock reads 4,23
